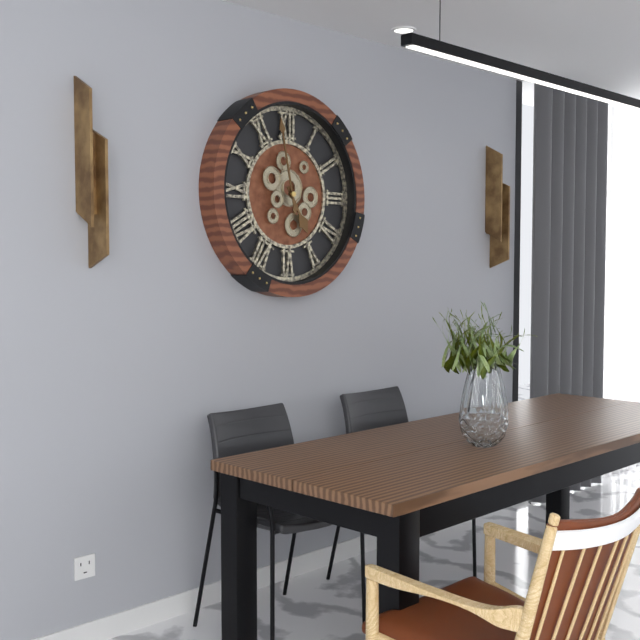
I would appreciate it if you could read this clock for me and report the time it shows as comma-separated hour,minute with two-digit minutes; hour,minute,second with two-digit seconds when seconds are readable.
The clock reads 4,58
